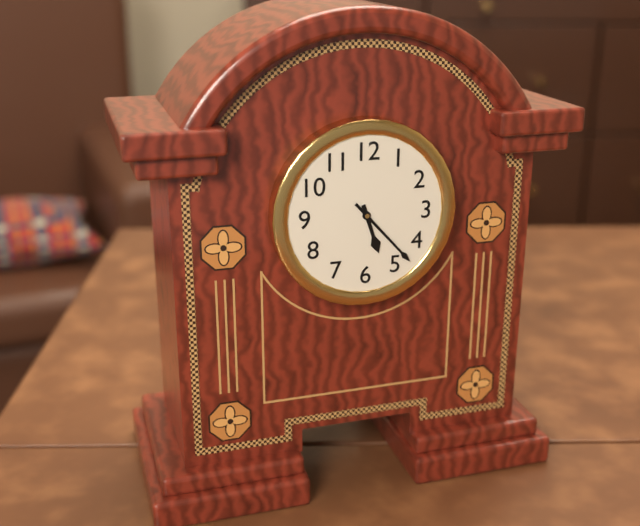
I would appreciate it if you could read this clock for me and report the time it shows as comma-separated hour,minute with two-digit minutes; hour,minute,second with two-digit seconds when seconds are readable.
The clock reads 5,23
